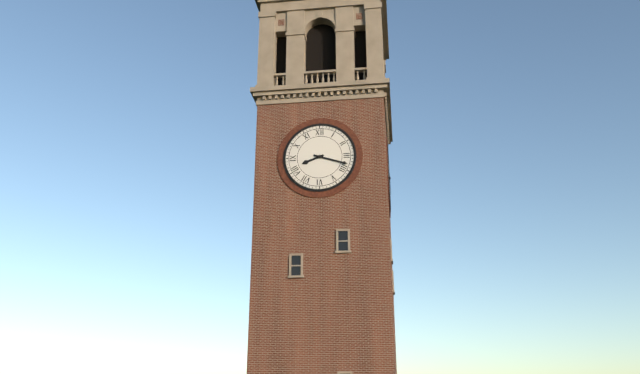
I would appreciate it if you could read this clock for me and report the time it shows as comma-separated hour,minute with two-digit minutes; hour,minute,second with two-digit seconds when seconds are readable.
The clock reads 8,18
